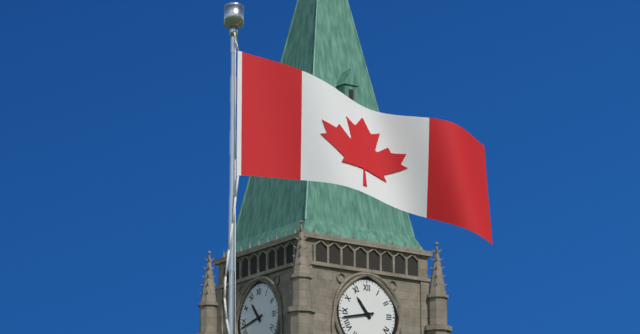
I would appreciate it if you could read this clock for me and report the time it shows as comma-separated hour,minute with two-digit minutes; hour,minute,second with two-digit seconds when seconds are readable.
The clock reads 10,43
